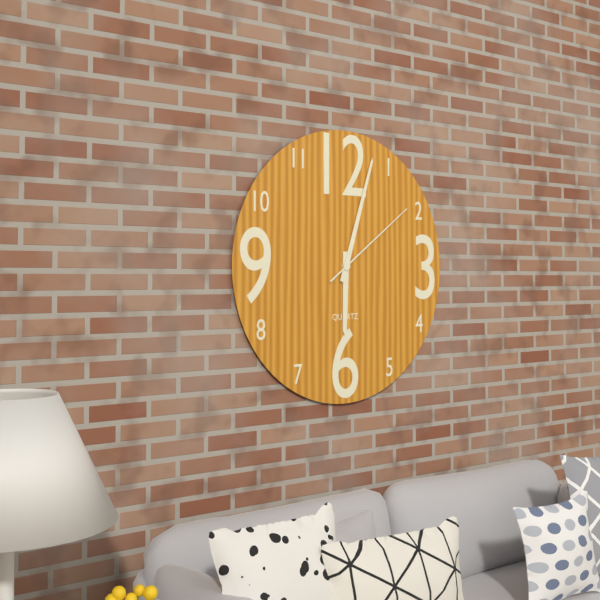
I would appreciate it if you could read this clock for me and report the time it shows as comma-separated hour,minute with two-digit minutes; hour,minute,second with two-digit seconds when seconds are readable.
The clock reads 6,03,09
